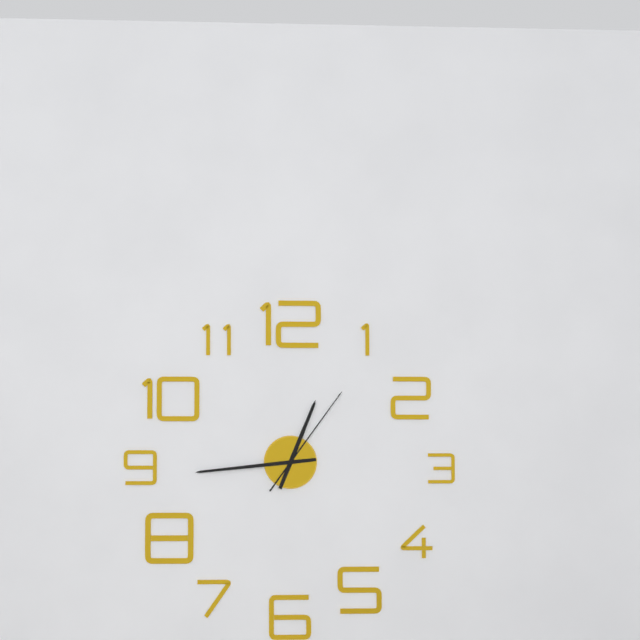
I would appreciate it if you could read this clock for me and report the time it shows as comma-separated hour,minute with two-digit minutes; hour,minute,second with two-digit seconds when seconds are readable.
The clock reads 12,44,06
